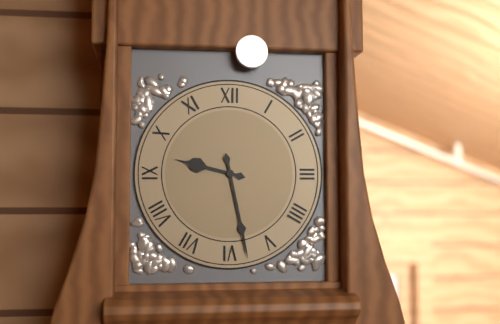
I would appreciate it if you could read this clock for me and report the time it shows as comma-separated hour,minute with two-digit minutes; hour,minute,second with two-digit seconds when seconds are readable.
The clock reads 9,28
